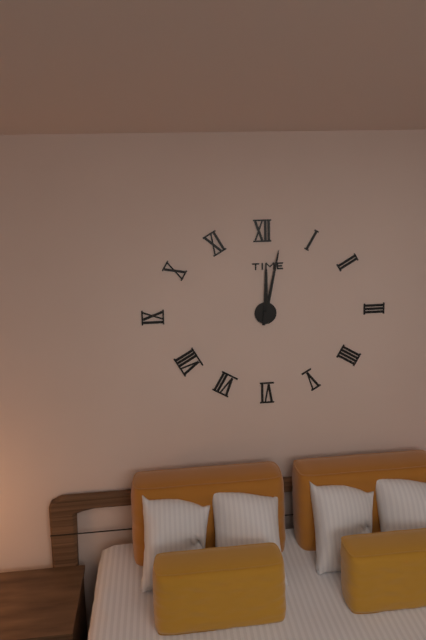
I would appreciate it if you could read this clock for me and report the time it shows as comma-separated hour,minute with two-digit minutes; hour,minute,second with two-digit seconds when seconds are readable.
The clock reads 12,02
